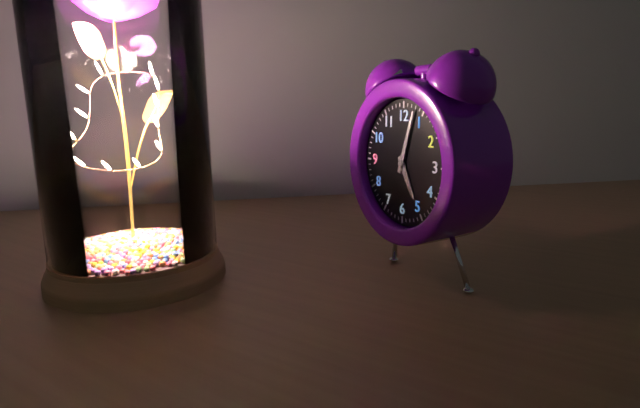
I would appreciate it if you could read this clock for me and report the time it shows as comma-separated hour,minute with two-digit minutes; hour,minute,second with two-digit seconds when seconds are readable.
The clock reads 5,03
